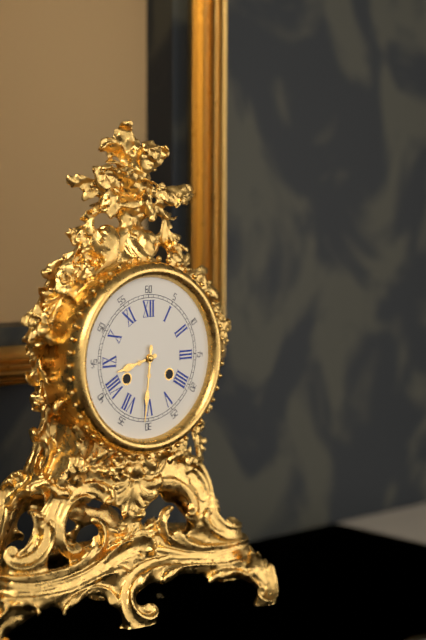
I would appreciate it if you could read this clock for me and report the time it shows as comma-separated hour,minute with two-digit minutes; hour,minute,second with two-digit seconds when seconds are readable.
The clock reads 8,31
